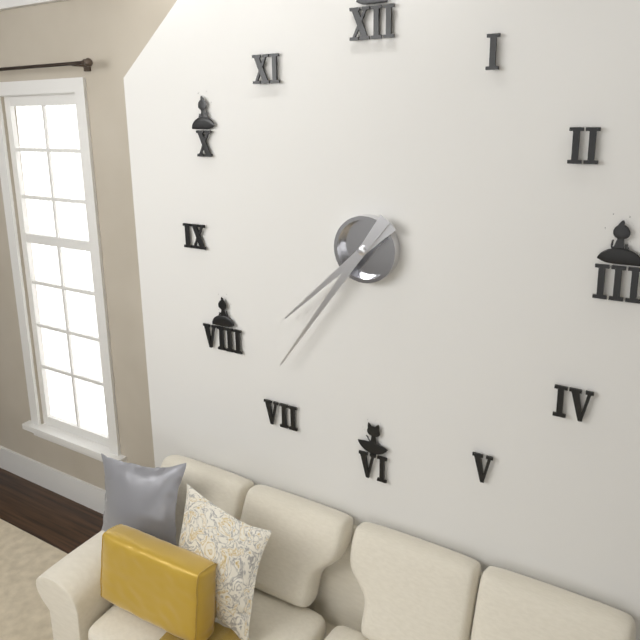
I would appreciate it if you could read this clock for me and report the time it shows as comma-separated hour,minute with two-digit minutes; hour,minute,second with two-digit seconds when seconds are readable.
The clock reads 7,36
